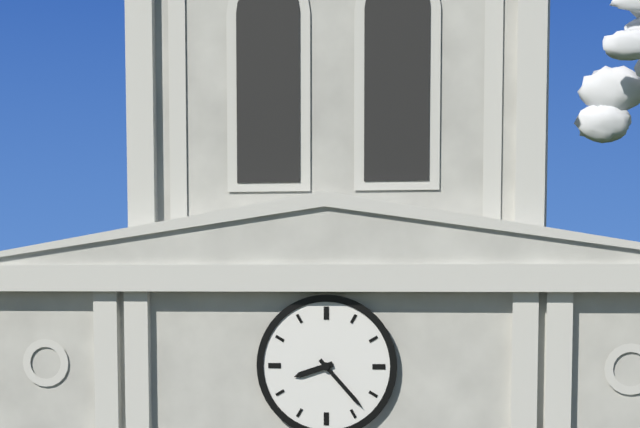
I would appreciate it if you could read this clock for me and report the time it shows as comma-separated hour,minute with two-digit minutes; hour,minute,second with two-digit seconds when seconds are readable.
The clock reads 8,23
